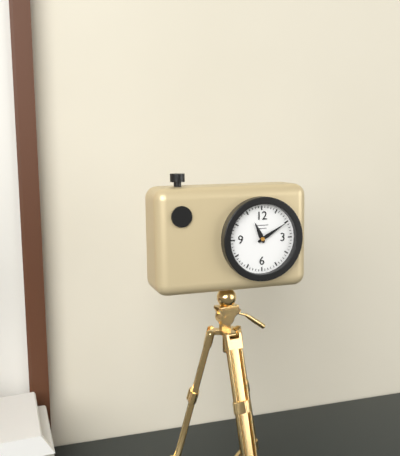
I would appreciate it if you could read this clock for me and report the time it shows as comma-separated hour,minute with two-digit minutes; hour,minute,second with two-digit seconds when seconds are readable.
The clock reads 11,10
